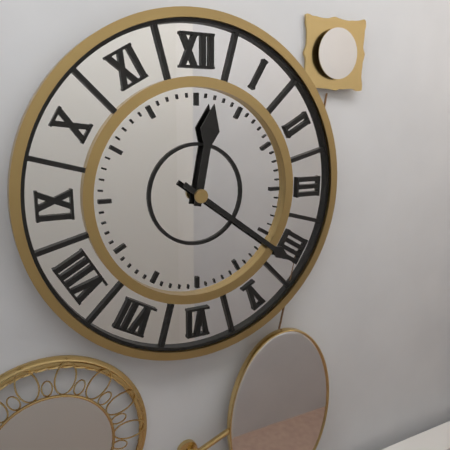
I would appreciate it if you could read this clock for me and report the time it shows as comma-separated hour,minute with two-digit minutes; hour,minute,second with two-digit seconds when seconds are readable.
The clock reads 12,21
